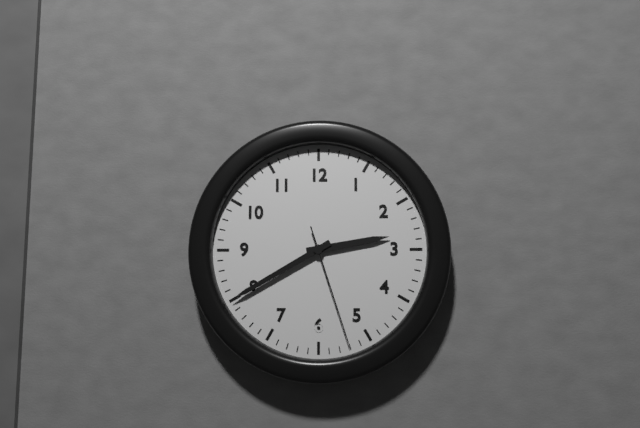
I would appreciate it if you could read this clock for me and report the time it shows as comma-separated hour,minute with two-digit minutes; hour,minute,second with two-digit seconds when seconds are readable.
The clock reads 2,40,27
